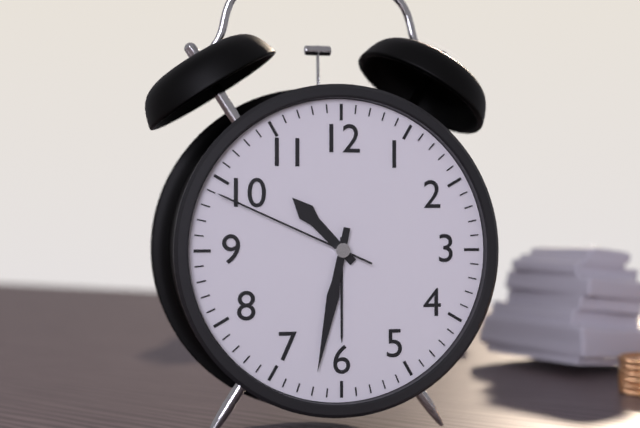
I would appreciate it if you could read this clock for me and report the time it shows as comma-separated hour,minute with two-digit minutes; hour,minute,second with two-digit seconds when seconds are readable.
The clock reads 10,32,49
